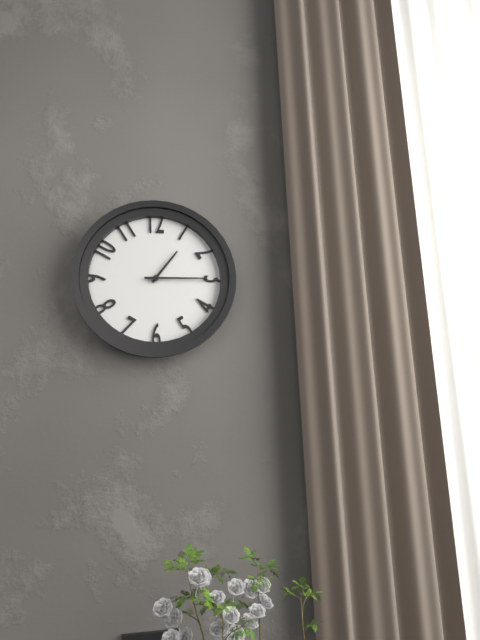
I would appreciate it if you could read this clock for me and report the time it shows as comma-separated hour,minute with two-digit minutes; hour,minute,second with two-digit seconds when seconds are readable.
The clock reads 1,15
